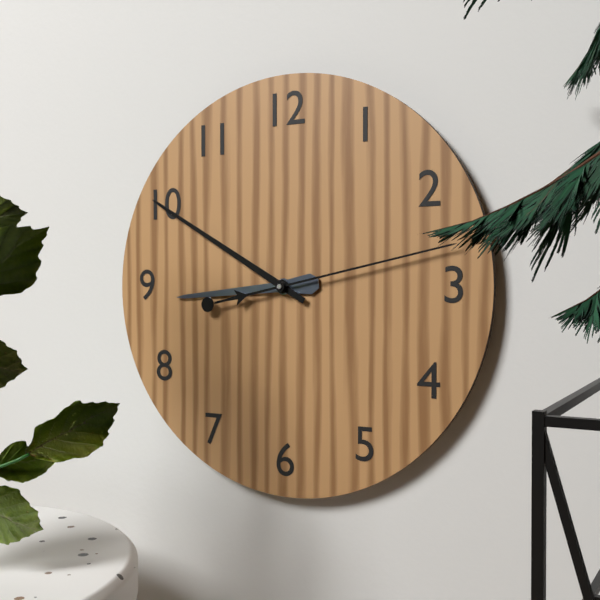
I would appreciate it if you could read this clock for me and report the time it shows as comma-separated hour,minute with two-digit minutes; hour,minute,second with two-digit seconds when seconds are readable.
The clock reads 8,50,13
